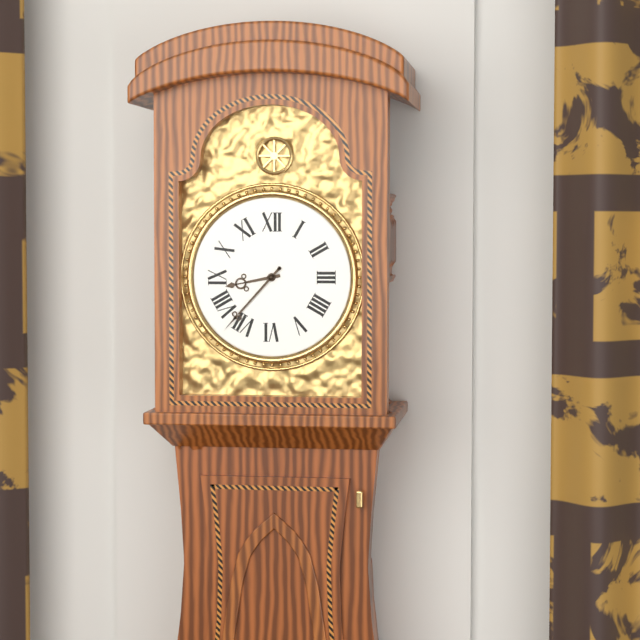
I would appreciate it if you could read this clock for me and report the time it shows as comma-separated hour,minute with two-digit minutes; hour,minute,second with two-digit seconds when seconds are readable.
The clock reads 8,37
